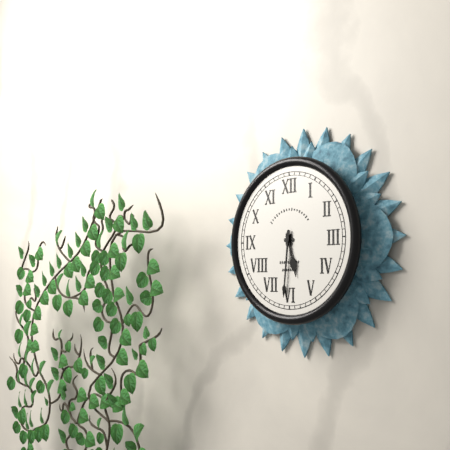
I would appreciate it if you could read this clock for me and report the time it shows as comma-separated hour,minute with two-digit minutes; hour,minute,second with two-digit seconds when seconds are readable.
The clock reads 5,31
